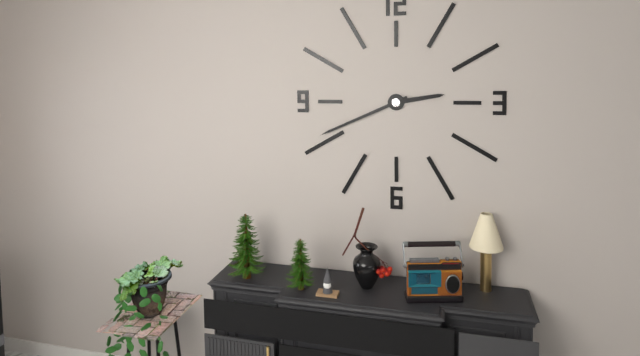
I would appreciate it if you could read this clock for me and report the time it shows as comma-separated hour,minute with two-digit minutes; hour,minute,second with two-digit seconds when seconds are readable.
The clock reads 2,41
